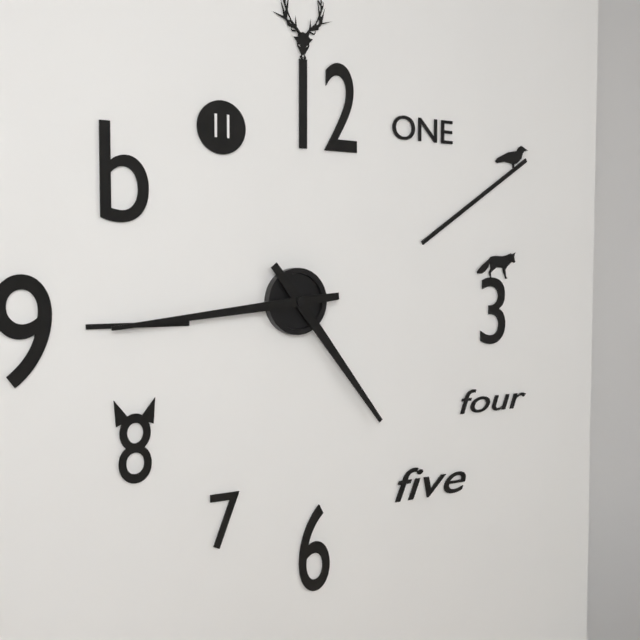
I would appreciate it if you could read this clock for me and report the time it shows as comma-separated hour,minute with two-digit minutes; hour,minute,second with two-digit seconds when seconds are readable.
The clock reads 4,44
